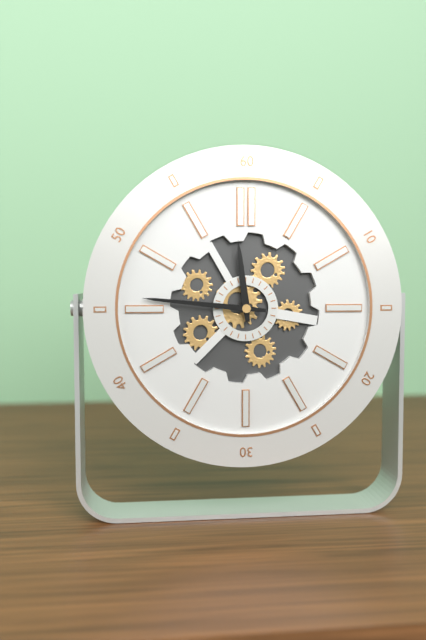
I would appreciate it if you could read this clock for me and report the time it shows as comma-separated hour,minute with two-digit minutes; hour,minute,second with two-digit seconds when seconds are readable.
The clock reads 11,46
